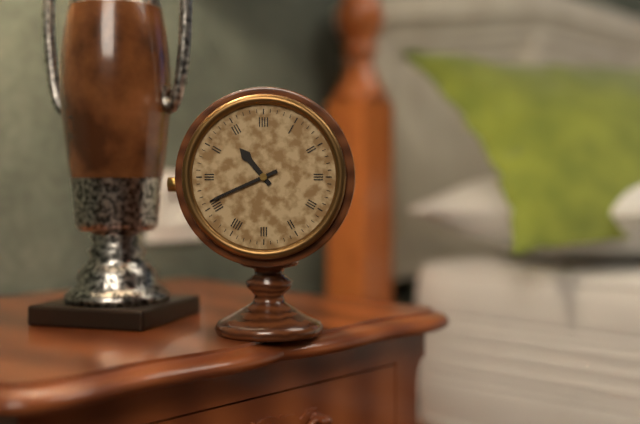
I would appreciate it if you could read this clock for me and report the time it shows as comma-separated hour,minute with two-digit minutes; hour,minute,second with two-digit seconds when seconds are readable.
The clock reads 10,41
